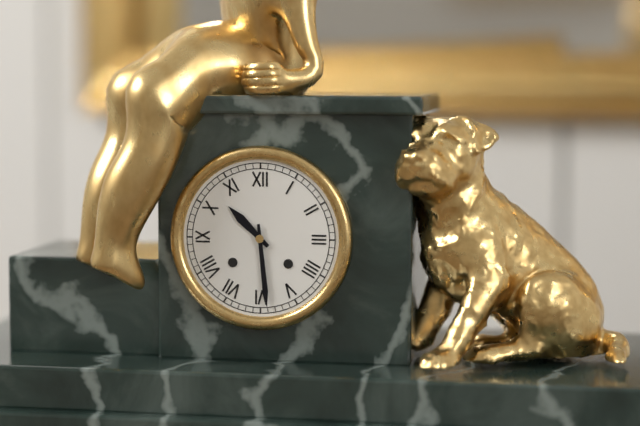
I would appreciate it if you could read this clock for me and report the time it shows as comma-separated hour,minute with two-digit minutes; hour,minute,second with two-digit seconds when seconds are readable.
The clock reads 10,29
